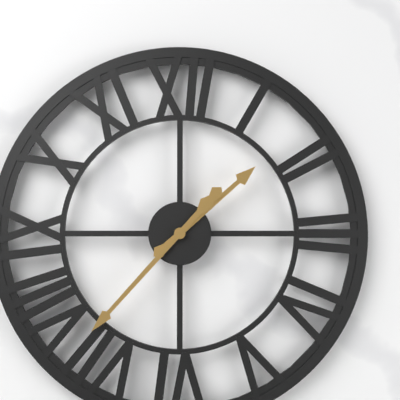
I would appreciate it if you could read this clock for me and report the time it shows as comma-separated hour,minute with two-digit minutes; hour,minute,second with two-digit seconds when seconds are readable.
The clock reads 1,37
